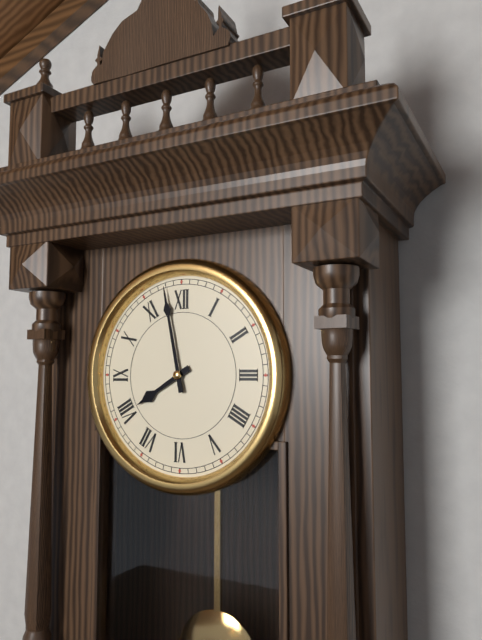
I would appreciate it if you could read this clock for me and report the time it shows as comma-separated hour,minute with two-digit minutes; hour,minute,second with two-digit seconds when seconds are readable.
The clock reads 7,58
